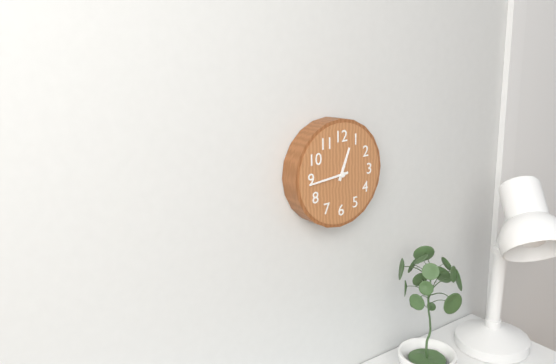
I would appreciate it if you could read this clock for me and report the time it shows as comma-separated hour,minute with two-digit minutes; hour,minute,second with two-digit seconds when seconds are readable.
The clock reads 12,44
